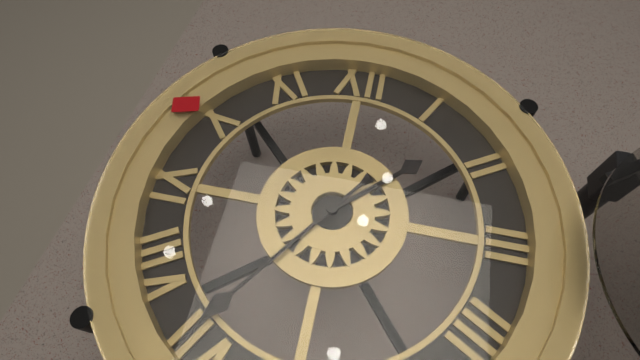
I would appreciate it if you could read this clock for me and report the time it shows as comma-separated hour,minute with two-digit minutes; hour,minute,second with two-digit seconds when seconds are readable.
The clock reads 1,36
